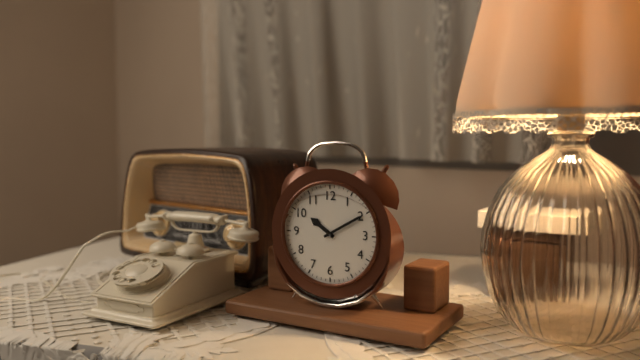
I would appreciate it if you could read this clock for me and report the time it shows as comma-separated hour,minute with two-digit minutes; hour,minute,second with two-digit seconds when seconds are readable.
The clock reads 10,10
